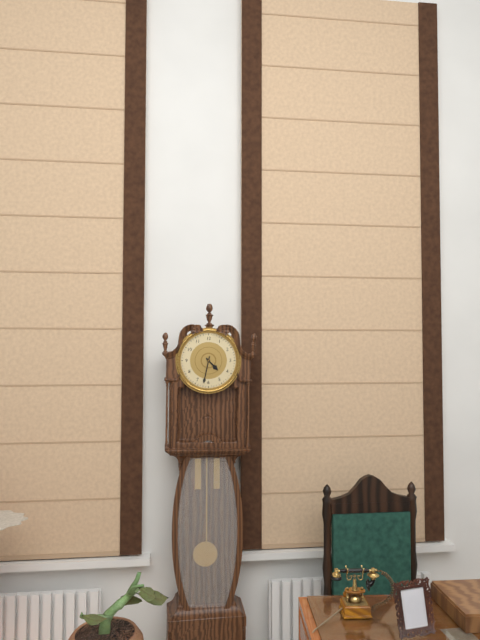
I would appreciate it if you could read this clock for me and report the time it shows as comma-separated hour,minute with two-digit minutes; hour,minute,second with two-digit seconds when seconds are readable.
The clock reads 4,32
